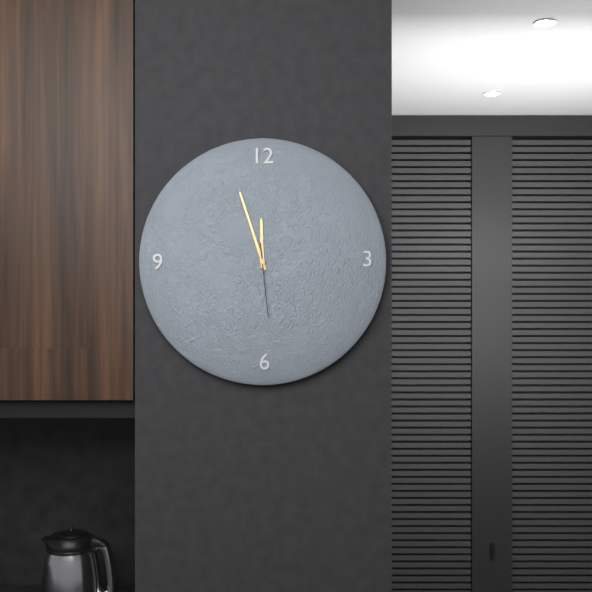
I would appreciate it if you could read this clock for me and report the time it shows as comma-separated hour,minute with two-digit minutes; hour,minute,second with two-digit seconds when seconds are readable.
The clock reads 11,57,29
